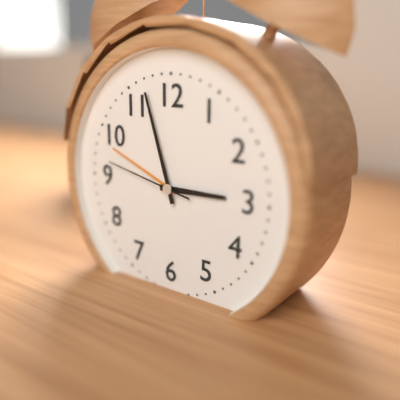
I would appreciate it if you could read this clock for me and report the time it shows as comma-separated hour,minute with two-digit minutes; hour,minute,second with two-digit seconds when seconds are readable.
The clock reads 2,57,47
